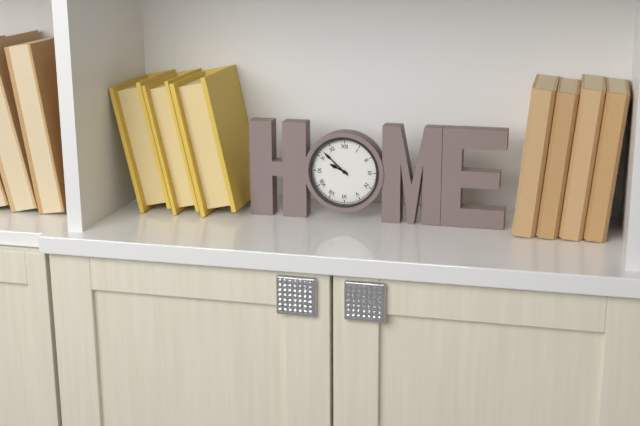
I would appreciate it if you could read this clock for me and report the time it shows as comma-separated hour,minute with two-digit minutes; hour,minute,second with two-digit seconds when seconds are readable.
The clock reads 9,52
